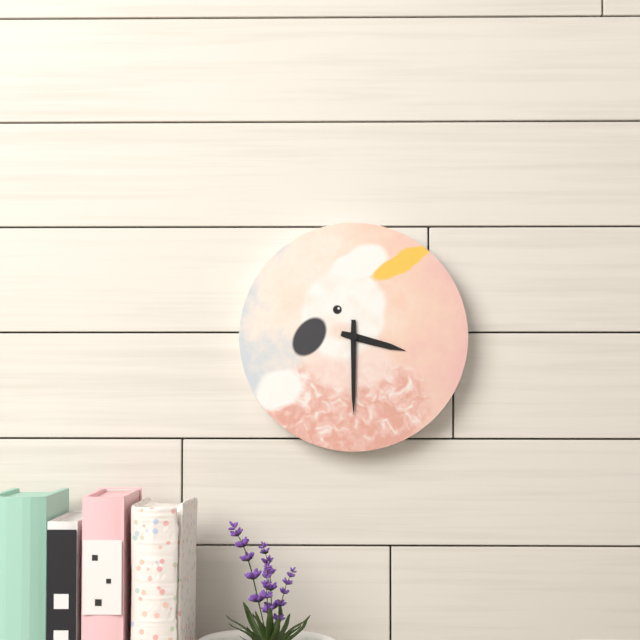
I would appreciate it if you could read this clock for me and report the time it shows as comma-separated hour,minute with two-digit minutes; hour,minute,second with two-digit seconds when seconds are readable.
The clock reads 3,30
